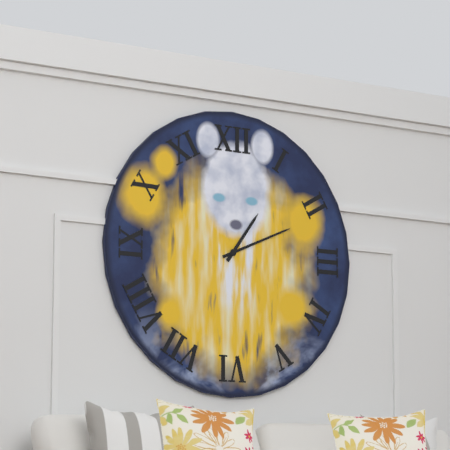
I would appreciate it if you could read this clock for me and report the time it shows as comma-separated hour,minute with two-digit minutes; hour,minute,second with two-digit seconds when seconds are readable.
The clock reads 1,11
